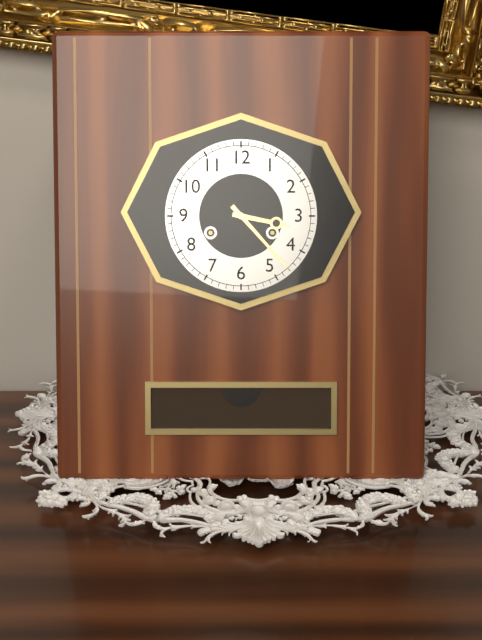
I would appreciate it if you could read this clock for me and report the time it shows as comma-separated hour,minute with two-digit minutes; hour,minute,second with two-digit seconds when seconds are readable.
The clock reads 3,23
